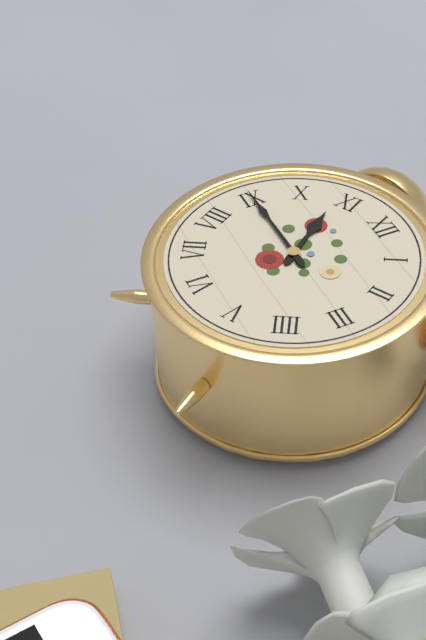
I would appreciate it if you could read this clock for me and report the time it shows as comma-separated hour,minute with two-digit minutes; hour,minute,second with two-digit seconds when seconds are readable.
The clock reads 10,45
